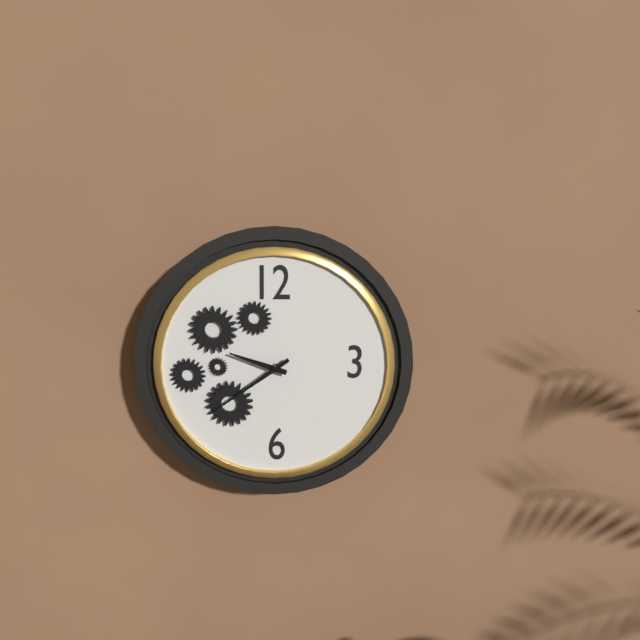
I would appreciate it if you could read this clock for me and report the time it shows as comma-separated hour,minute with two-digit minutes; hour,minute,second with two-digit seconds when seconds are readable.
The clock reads 9,39
